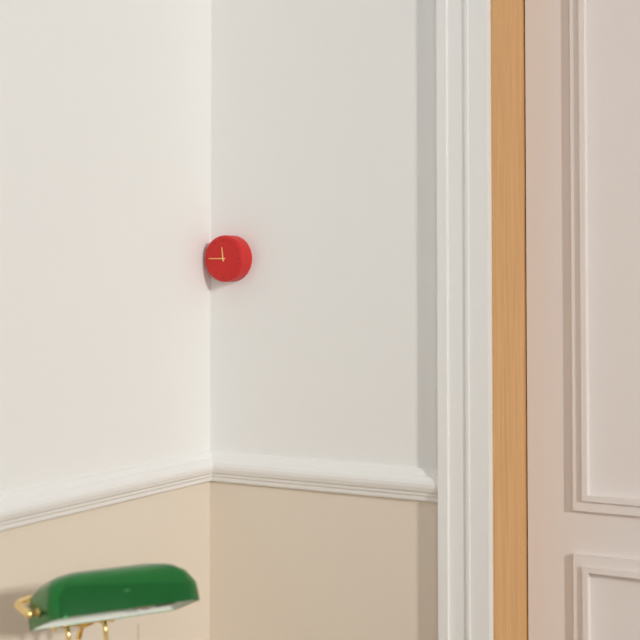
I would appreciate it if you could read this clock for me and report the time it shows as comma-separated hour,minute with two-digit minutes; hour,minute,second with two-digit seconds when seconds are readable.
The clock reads 11,45
